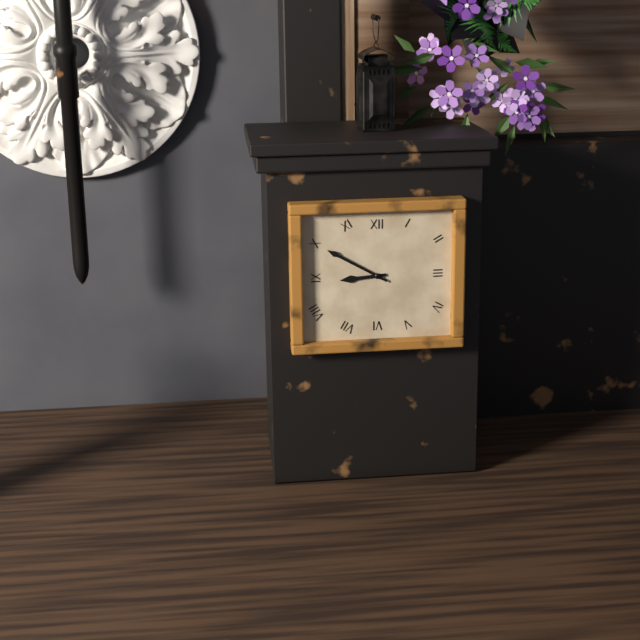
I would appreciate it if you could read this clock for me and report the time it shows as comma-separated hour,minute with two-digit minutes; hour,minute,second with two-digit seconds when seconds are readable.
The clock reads 8,50
